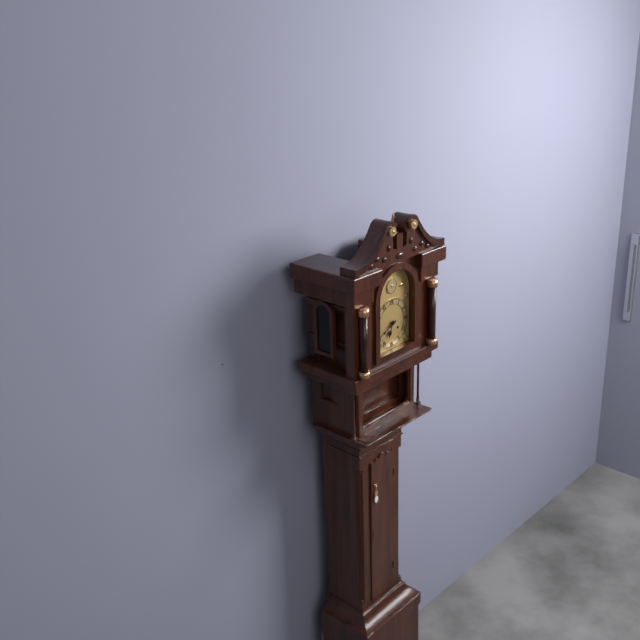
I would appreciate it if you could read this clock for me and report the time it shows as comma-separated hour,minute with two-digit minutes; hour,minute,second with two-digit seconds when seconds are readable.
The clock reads 6,41
